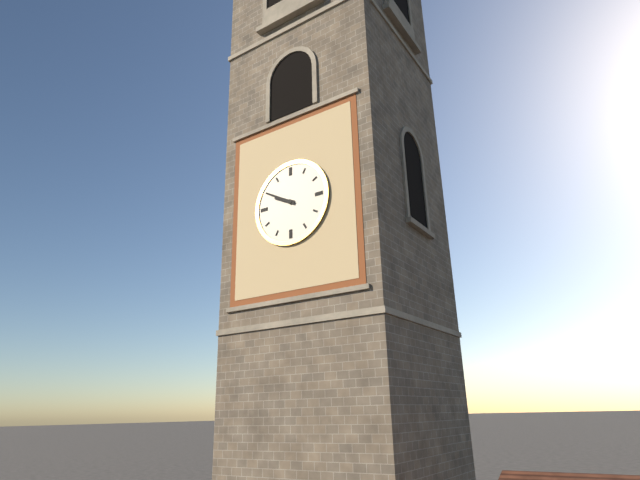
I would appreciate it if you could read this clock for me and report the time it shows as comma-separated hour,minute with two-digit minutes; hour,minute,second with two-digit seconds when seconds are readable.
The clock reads 9,50
